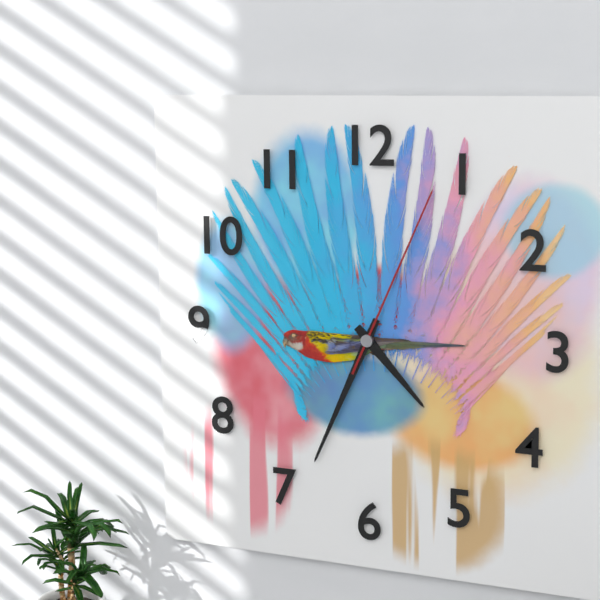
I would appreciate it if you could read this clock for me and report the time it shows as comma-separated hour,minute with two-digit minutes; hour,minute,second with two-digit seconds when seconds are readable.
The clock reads 4,34,04
